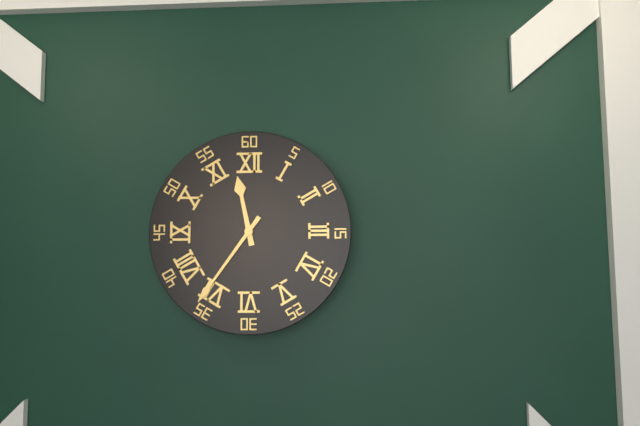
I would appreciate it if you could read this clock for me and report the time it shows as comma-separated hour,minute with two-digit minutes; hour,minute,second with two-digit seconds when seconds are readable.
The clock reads 11,36
